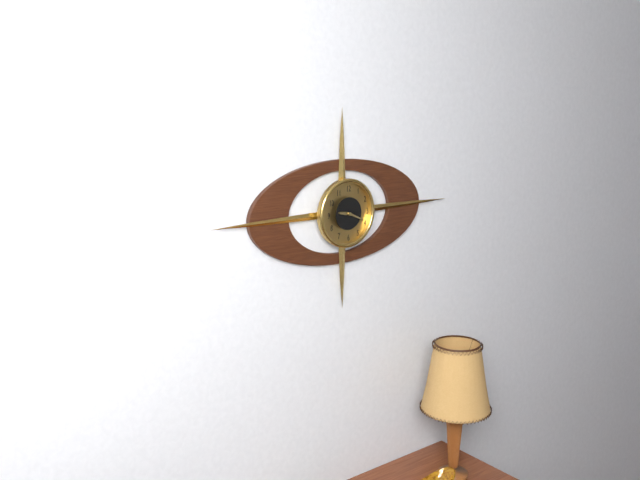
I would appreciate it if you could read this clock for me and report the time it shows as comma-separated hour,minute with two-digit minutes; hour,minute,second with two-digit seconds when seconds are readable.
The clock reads 9,19
